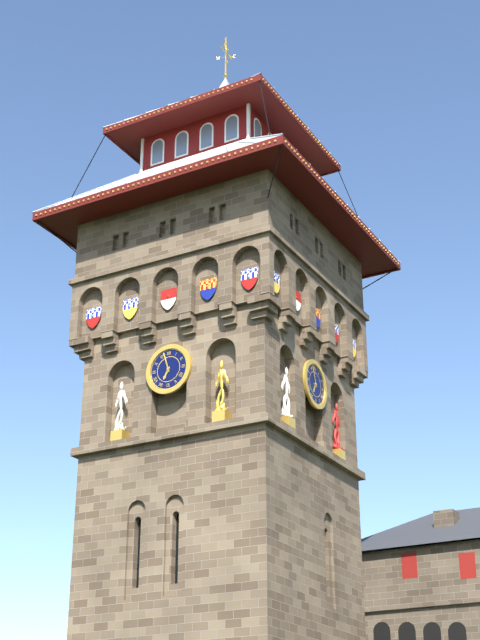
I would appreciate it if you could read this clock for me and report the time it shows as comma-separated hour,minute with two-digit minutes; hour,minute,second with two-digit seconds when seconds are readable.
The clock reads 6,57
